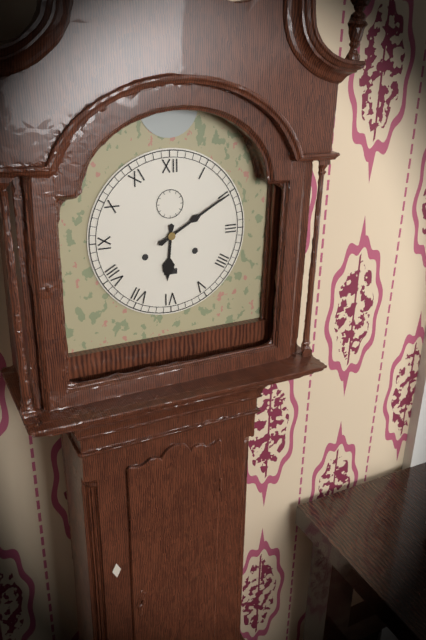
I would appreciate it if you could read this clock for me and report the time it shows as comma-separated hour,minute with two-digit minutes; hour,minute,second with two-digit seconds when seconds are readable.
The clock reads 6,10
